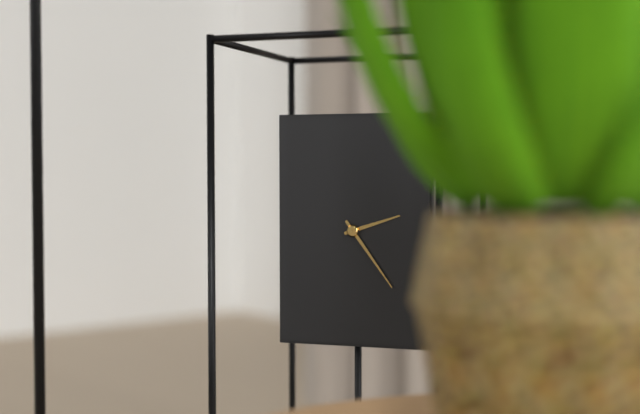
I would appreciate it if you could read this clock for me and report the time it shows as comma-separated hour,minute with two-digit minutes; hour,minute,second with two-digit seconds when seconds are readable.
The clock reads 2,24
